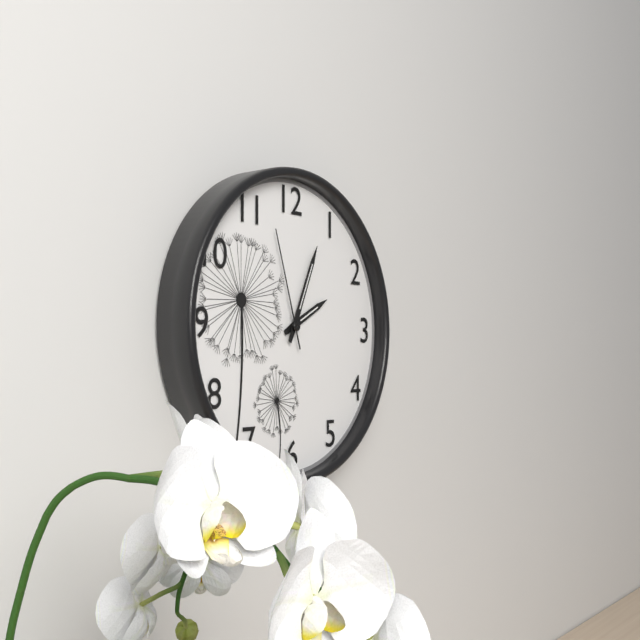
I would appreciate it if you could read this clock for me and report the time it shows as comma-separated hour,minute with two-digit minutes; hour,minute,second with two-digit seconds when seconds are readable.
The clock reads 2,04,57
